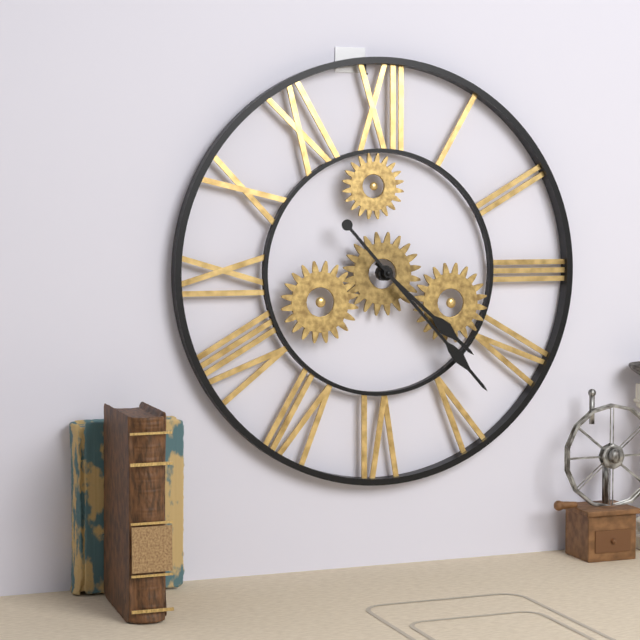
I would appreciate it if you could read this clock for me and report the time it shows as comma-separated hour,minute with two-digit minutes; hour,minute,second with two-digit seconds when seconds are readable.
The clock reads 4,23
